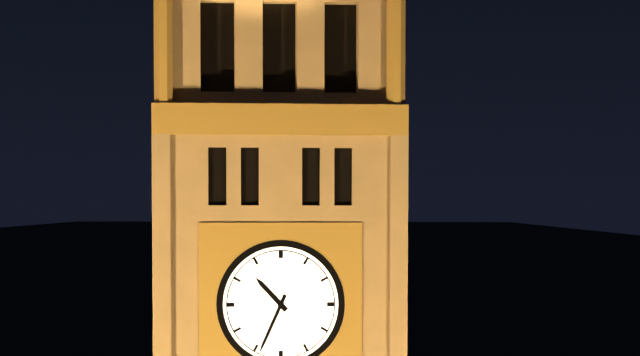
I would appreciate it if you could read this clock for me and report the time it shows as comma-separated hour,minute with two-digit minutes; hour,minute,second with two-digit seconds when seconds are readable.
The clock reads 10,34
